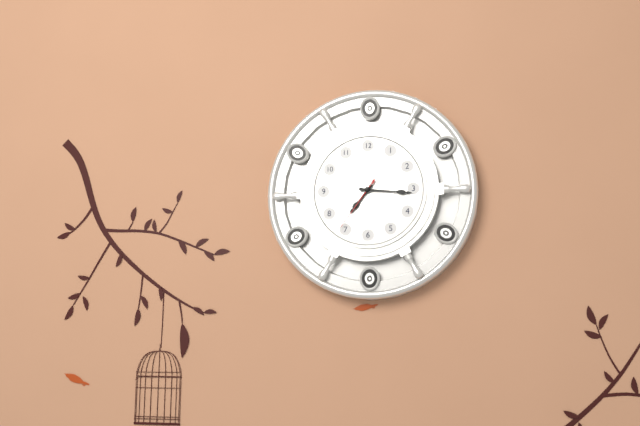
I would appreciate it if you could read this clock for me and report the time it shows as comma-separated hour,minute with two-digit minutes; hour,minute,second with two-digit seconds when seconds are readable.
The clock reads 7,16,36
